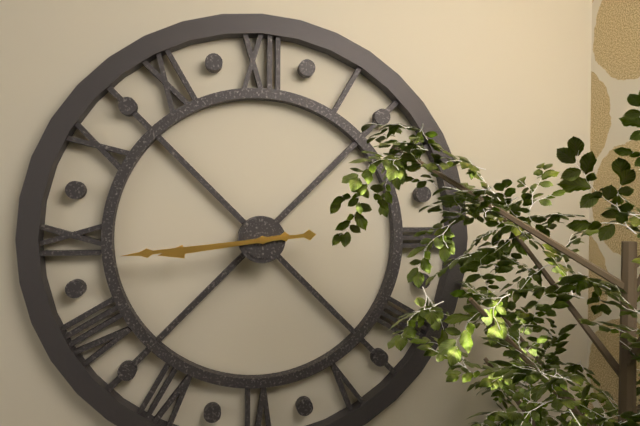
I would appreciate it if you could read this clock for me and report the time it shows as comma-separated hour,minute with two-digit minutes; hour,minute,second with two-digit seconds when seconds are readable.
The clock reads 8,44
